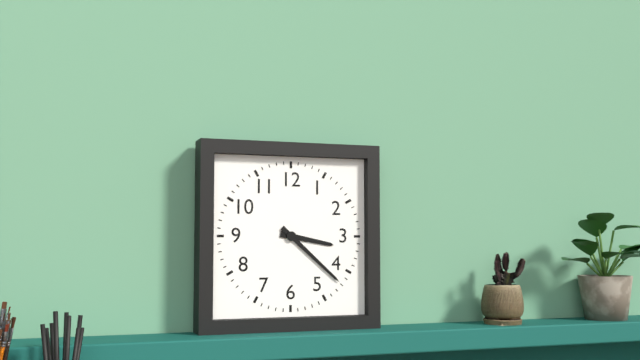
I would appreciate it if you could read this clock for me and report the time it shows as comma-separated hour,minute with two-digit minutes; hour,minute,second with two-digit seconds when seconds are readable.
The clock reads 3,22
